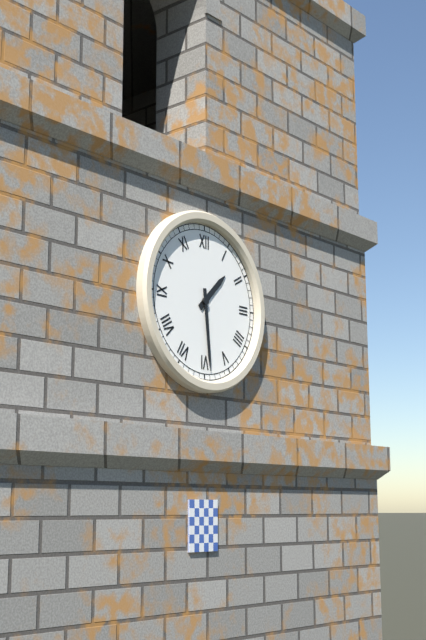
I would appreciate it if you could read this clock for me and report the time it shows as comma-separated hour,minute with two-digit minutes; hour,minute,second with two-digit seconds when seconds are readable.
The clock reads 1,29
